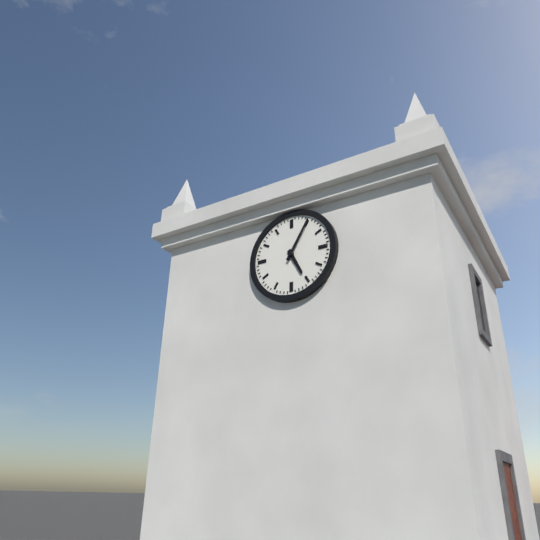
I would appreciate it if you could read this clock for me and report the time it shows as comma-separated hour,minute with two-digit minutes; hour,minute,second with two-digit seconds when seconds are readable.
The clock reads 5,05
